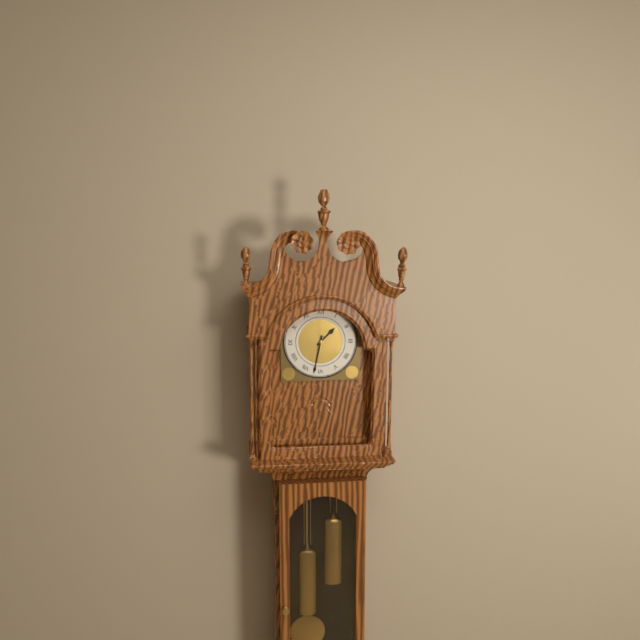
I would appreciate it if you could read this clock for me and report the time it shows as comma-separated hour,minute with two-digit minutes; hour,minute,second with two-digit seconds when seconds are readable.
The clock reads 1,32
